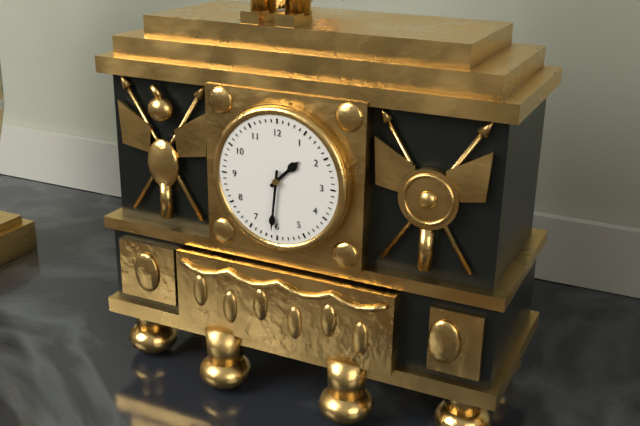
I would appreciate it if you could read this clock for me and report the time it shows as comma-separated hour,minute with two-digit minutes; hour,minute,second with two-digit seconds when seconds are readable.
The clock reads 1,31
